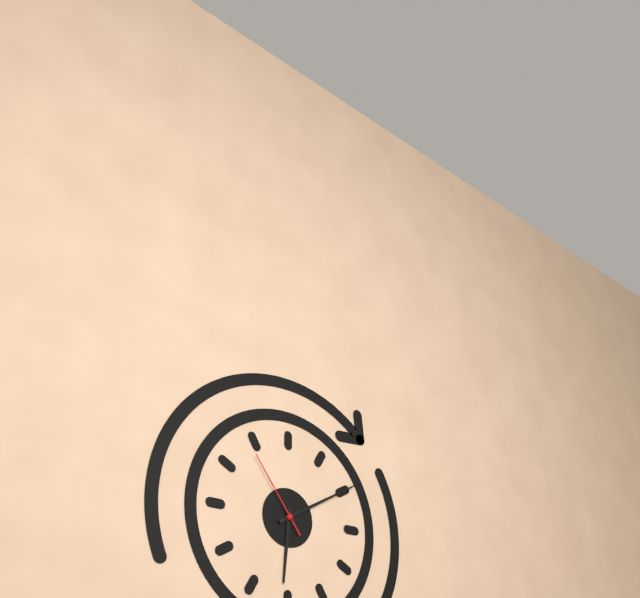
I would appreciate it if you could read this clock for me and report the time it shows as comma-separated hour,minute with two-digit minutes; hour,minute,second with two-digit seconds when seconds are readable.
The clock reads 6,10,54
